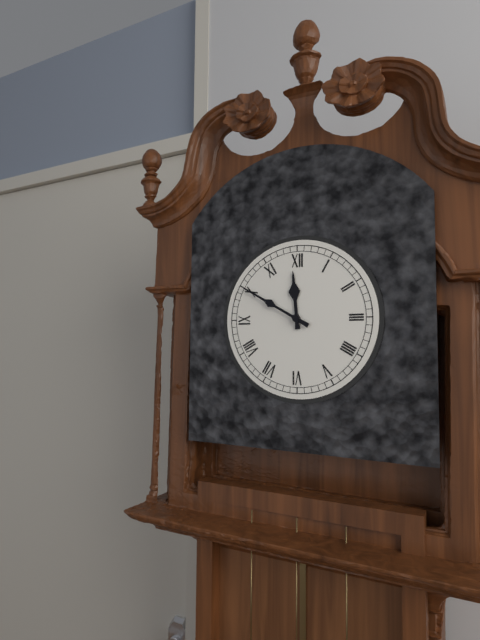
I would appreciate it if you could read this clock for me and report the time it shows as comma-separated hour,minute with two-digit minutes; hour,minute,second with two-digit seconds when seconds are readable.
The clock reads 11,50
